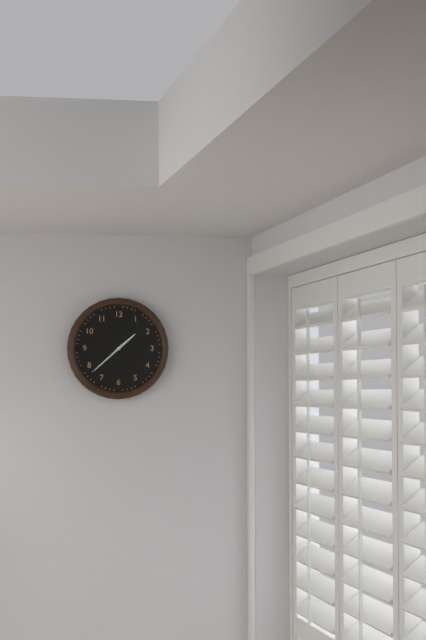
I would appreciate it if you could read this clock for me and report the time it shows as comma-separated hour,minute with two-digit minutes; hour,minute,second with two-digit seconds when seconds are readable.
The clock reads 1,38
